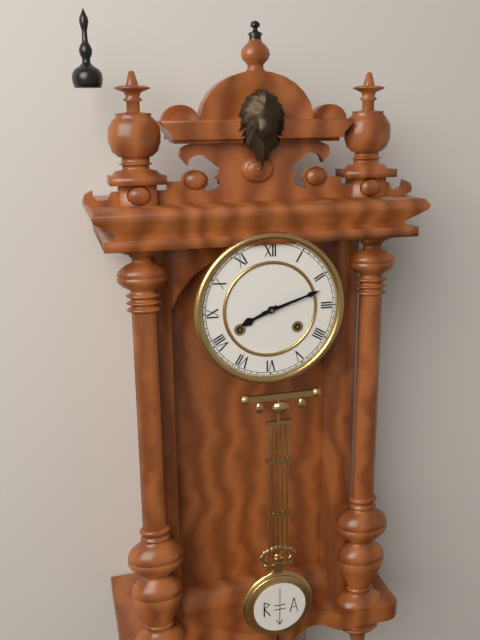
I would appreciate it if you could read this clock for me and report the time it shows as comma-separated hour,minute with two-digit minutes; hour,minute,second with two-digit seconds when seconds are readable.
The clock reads 8,12
